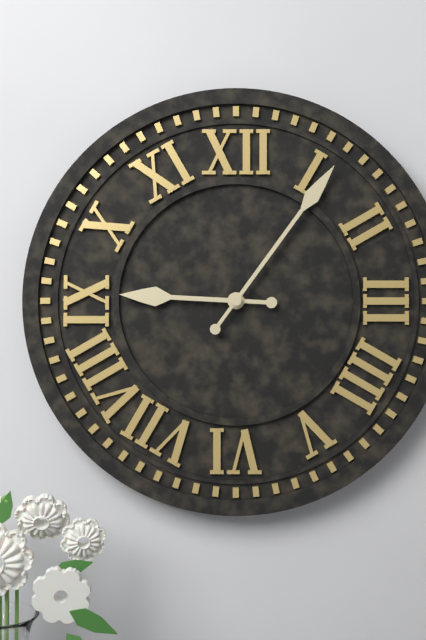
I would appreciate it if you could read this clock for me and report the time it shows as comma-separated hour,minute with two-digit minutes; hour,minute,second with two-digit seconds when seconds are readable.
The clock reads 9,06
